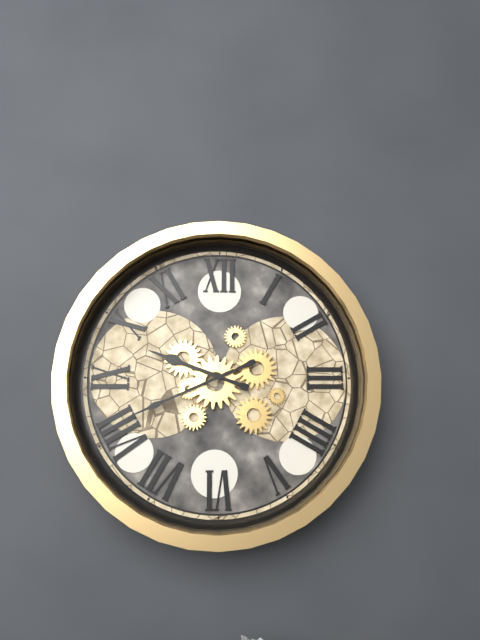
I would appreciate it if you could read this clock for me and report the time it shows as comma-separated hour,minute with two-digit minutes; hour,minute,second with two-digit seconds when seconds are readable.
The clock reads 9,41
